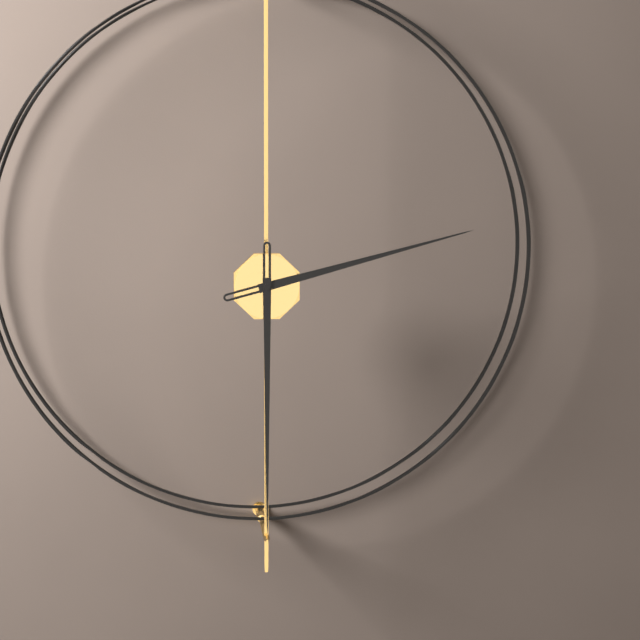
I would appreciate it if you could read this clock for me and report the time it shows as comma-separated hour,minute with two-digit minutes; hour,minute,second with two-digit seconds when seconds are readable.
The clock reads 2,30
